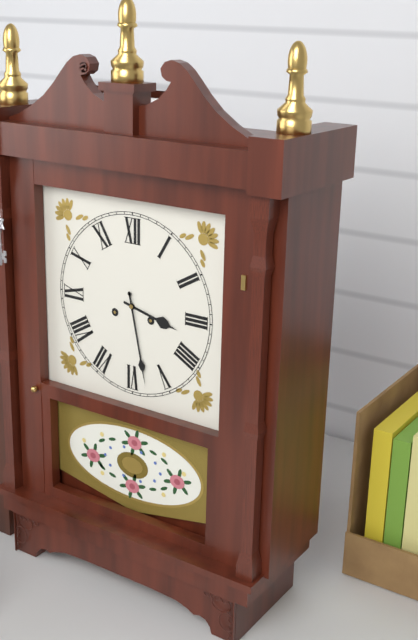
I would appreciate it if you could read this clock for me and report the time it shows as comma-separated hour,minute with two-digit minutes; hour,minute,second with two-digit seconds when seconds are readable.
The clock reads 3,28
